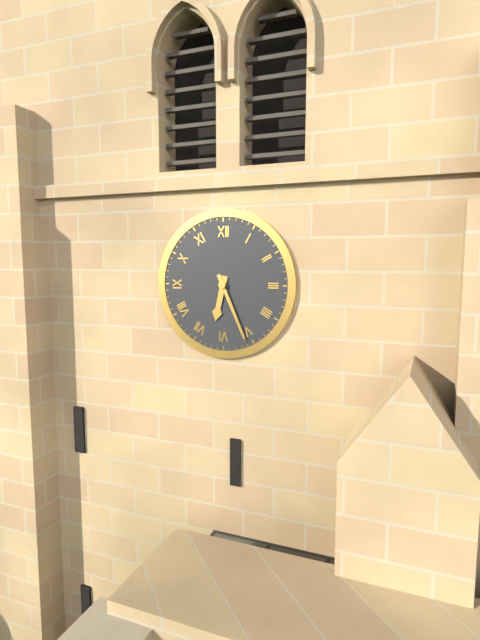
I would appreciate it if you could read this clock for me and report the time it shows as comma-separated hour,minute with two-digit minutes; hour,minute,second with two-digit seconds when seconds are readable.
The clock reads 6,26
